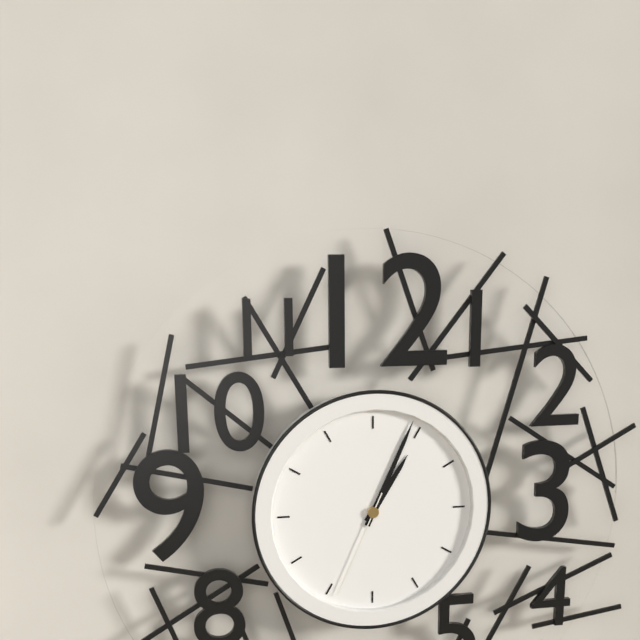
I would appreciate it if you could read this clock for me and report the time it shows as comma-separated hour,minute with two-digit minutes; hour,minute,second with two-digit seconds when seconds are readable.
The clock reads 1,04,34
